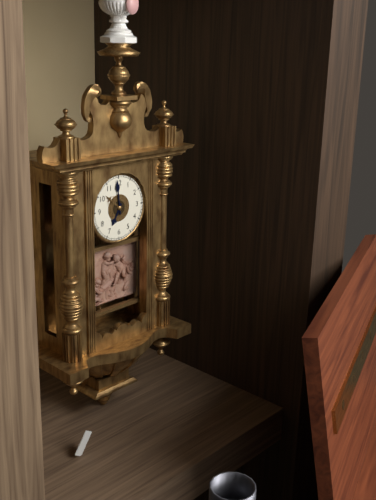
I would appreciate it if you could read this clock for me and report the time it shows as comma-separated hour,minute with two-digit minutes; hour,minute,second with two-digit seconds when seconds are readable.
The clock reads 6,59
